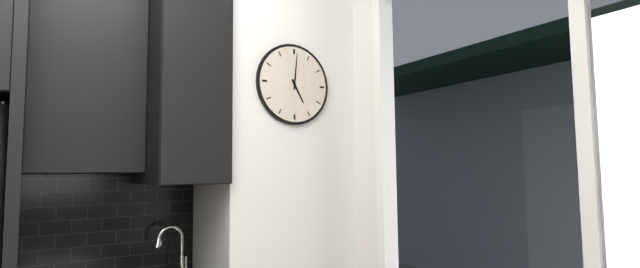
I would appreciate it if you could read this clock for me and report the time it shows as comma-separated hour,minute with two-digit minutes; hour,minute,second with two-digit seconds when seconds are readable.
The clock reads 5,01
